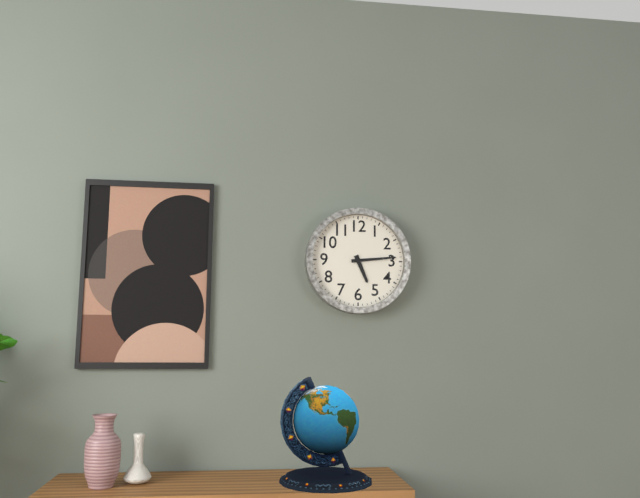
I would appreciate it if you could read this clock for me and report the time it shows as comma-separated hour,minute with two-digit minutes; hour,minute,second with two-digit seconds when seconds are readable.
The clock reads 5,14
